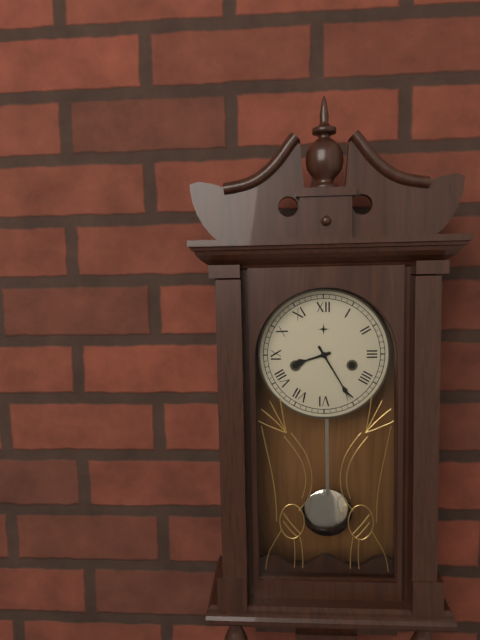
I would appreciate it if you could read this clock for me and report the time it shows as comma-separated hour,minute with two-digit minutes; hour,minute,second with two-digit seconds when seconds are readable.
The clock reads 8,25
